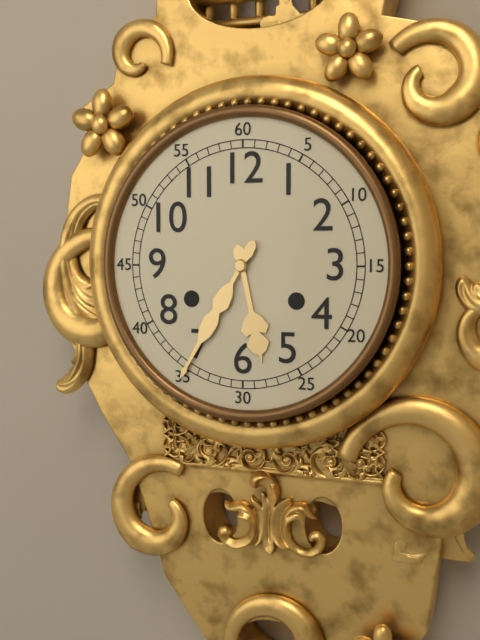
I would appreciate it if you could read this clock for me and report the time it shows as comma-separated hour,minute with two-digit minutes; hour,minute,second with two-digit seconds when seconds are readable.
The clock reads 5,35
